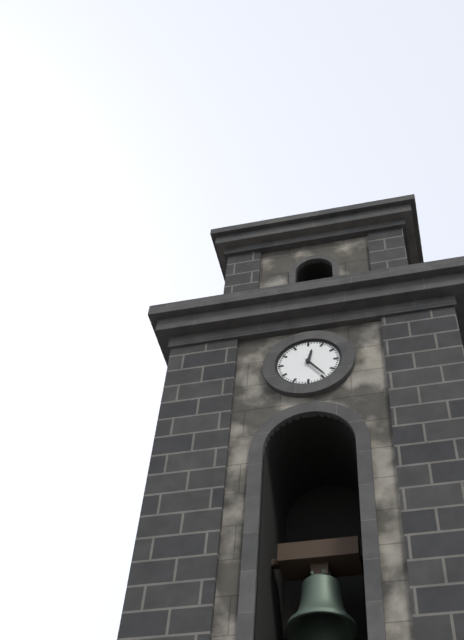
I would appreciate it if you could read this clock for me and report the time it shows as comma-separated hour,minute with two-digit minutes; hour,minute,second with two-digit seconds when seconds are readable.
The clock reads 12,24
